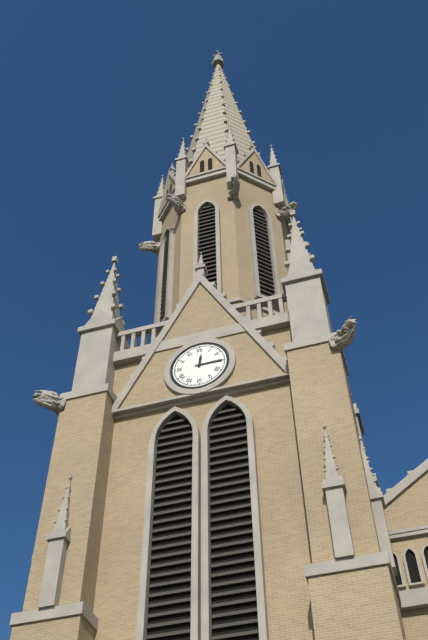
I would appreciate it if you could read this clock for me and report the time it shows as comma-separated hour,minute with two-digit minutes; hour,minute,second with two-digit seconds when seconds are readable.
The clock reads 12,15
